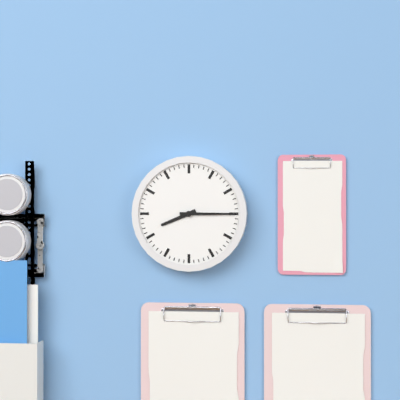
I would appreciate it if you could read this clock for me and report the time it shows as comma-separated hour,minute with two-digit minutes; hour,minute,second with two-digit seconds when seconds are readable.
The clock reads 8,15
